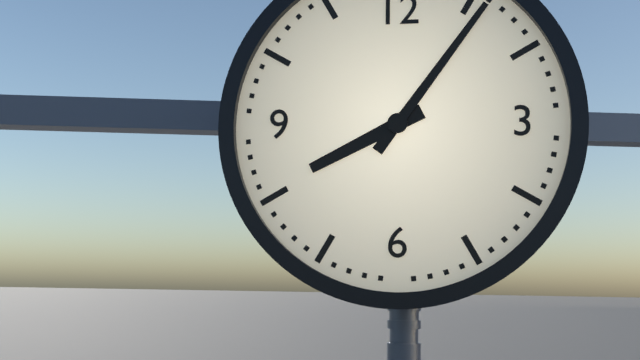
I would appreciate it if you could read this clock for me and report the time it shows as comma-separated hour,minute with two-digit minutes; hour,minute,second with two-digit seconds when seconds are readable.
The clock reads 8,06
